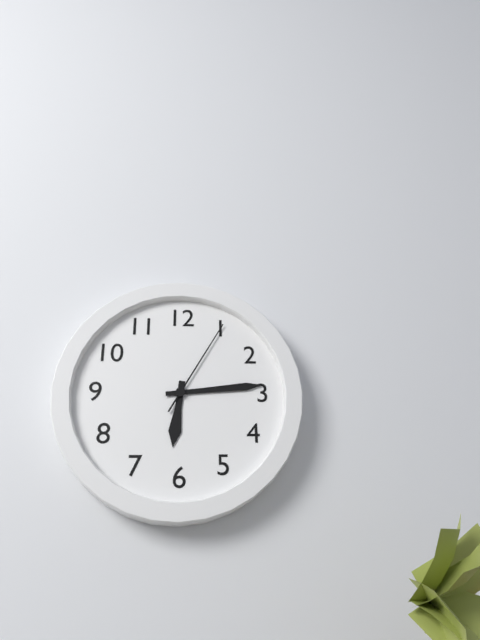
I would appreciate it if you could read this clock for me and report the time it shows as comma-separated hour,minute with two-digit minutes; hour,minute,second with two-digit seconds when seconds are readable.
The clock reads 6,14,05
